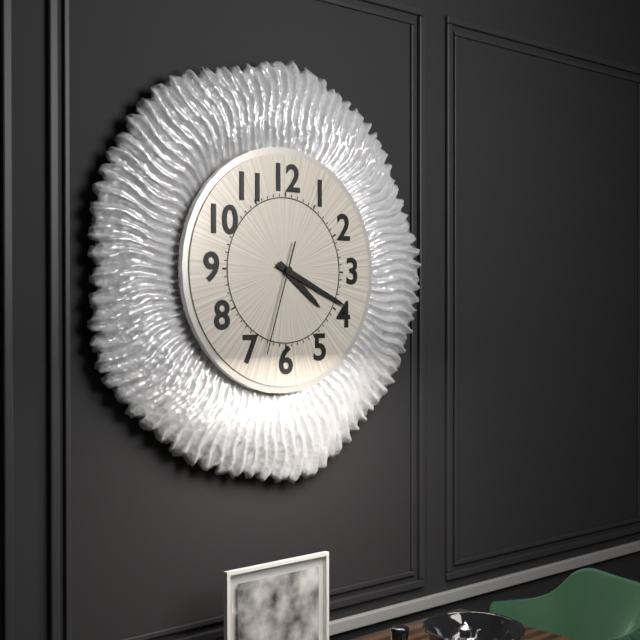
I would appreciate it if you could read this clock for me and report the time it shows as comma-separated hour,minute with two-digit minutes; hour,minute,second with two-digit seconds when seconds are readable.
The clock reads 4,19,33
